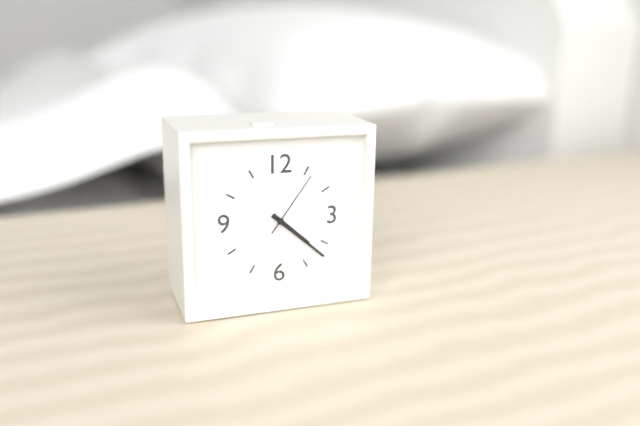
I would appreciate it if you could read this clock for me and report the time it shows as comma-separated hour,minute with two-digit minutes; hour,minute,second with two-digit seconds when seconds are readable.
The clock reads 4,22,06
